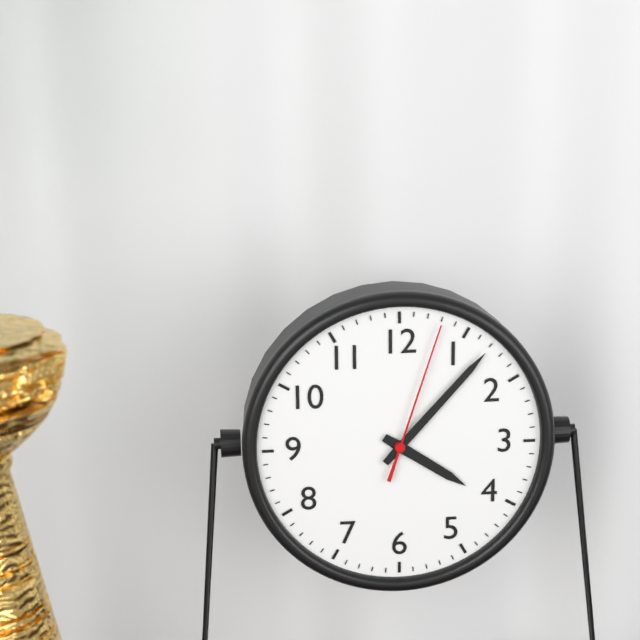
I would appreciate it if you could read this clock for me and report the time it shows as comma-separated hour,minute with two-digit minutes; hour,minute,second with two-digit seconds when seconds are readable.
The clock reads 4,07,03
